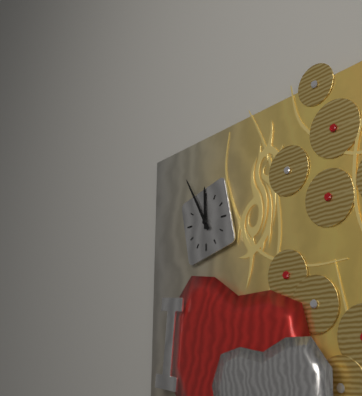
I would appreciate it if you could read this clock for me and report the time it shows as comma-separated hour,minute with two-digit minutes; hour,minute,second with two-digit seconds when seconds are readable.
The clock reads 11,55
